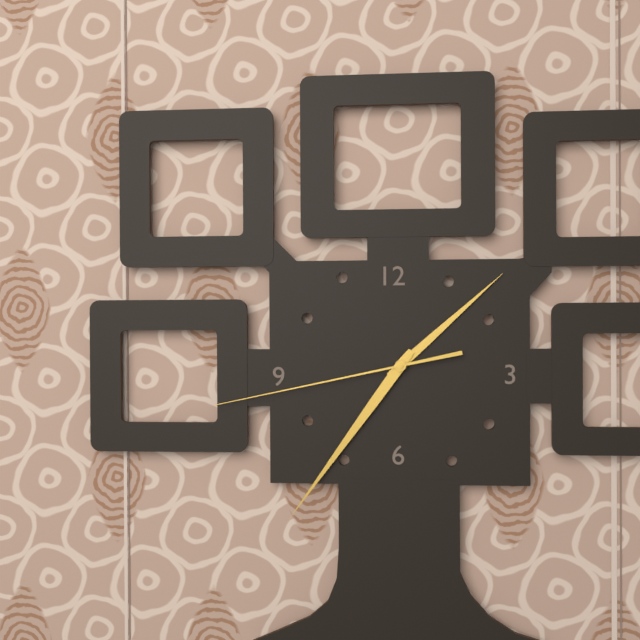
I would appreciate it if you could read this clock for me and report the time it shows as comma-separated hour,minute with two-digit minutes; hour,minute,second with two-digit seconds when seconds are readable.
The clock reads 1,36,43
